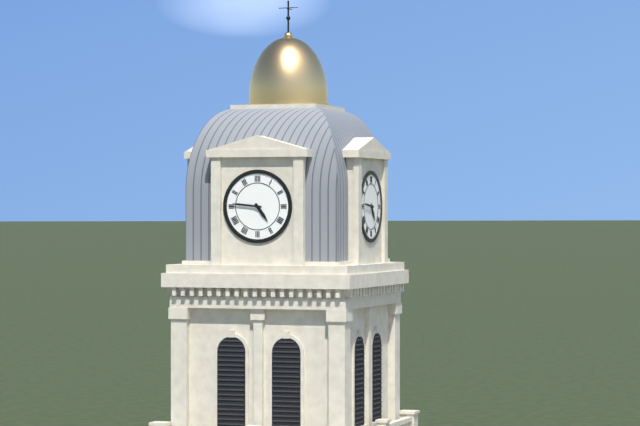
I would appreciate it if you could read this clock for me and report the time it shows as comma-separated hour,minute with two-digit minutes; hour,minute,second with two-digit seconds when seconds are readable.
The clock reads 4,46
